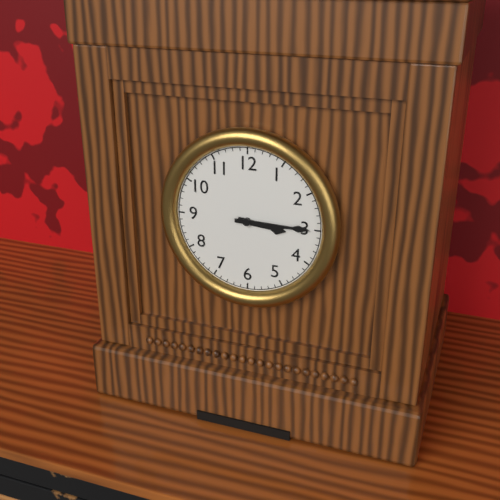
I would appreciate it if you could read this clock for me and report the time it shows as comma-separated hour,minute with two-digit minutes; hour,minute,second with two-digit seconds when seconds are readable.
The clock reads 3,15
